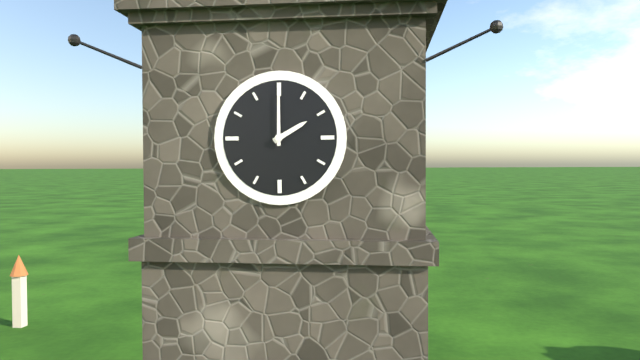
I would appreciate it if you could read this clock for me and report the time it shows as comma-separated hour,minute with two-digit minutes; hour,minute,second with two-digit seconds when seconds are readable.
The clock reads 2,00
